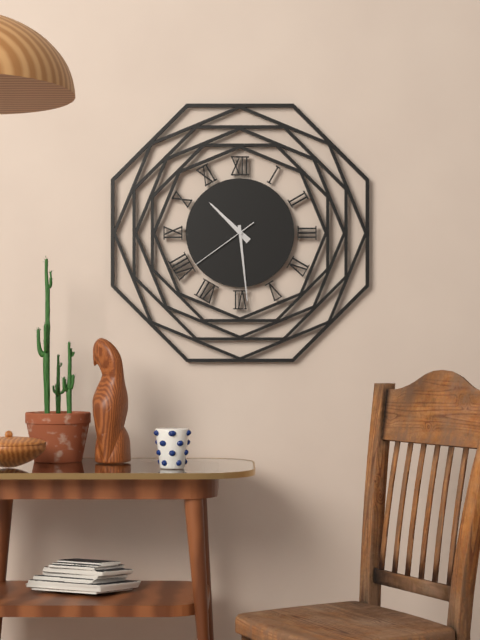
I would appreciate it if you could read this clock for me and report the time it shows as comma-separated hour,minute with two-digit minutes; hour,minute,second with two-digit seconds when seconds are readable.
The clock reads 10,29,39
